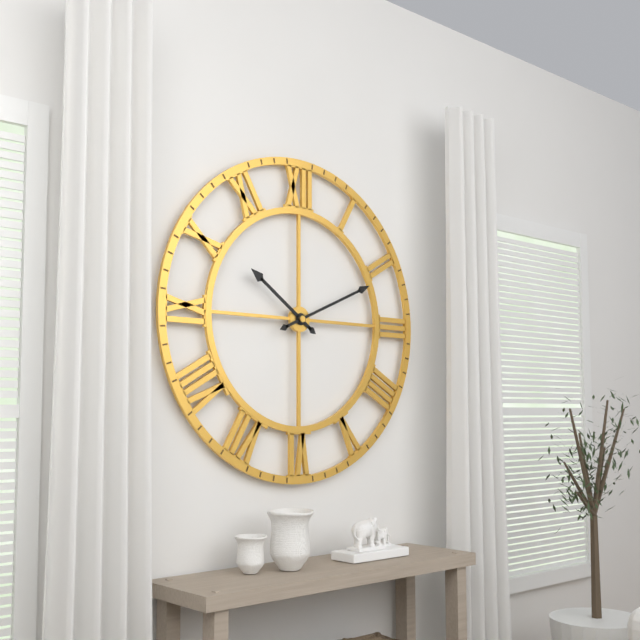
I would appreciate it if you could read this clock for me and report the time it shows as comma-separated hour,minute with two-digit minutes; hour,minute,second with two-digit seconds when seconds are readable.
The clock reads 10,11
